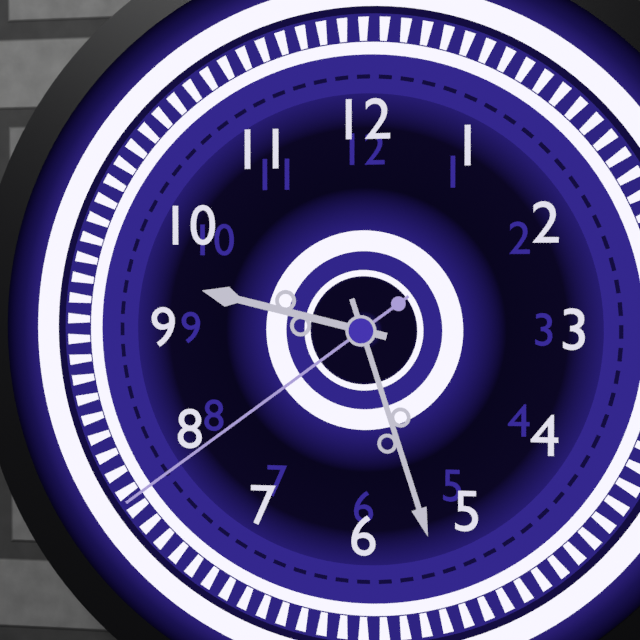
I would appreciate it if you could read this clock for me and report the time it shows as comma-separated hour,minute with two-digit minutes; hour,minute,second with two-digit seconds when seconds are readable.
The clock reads 9,27,39
